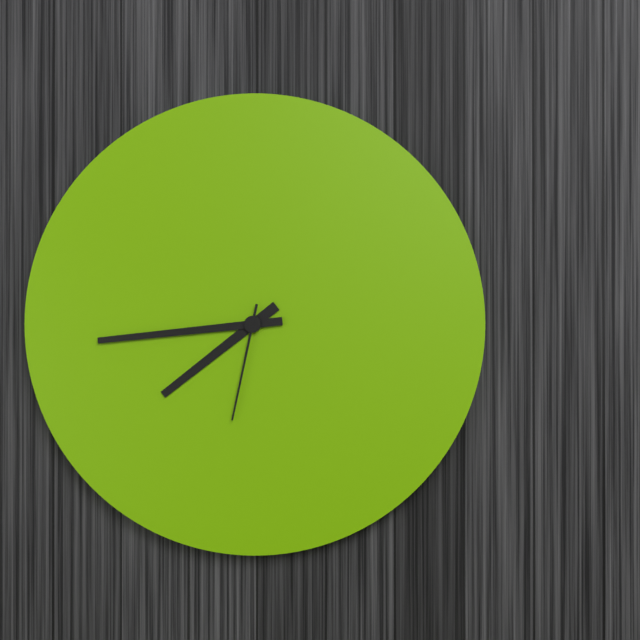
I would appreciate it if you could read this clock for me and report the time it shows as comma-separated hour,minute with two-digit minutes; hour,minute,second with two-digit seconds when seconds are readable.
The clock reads 7,44,32
